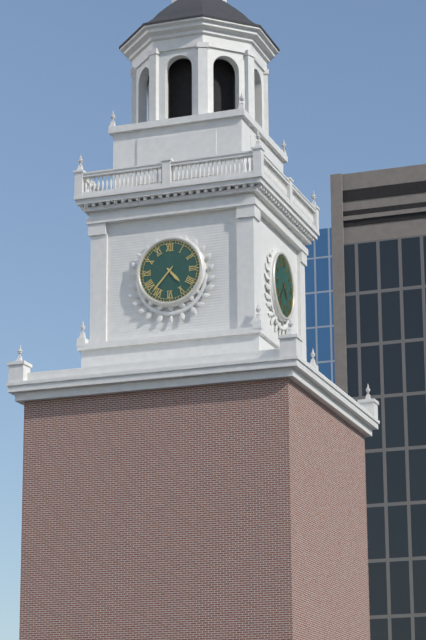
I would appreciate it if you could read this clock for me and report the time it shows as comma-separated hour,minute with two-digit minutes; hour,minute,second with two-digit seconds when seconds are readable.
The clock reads 4,37
